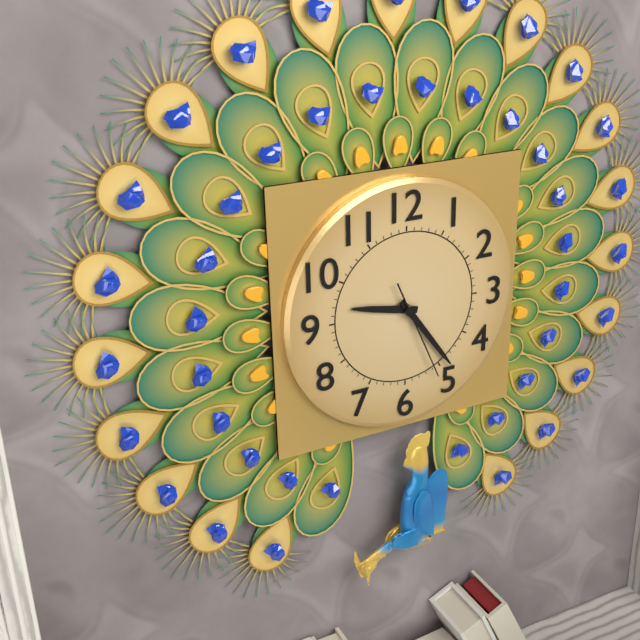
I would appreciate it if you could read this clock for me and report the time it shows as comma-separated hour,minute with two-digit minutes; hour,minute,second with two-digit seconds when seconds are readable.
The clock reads 9,24,26
